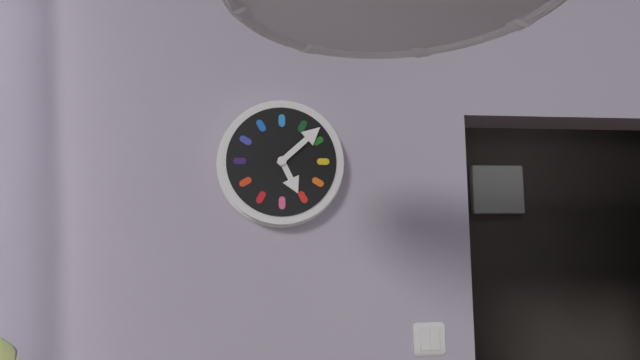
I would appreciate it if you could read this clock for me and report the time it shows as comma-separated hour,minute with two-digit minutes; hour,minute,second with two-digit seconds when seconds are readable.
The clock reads 5,08
